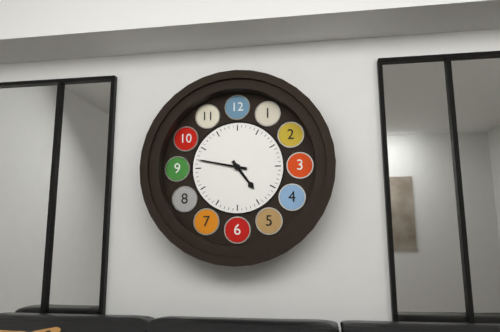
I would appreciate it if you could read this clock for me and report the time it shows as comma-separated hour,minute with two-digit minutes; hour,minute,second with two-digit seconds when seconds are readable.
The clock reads 4,47
